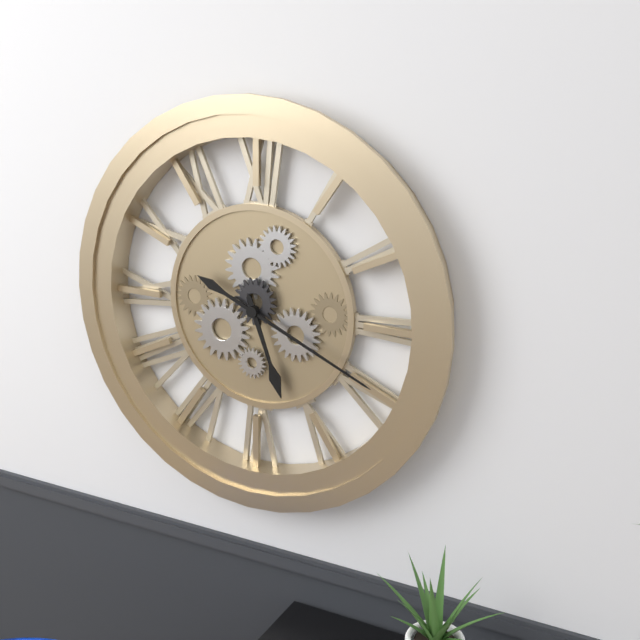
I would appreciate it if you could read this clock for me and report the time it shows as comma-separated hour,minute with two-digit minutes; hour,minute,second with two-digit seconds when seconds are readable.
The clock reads 5,19
